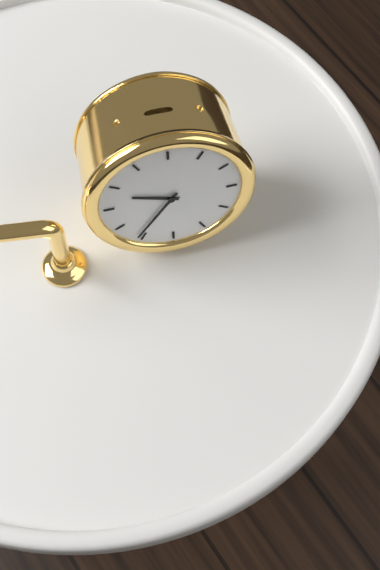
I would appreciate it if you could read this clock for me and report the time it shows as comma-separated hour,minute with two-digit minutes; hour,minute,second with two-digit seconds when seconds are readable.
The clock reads 9,36
